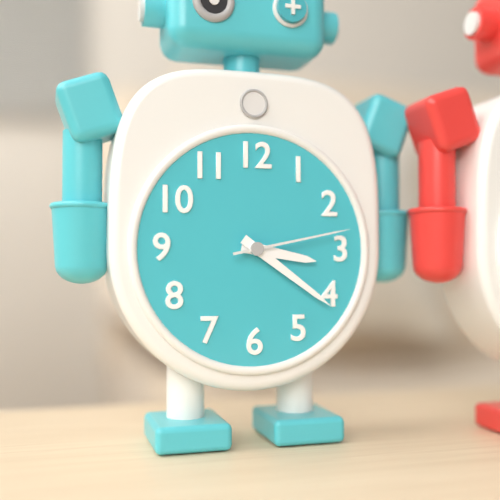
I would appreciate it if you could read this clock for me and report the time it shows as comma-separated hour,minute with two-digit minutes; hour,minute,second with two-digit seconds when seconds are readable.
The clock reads 3,21,13
